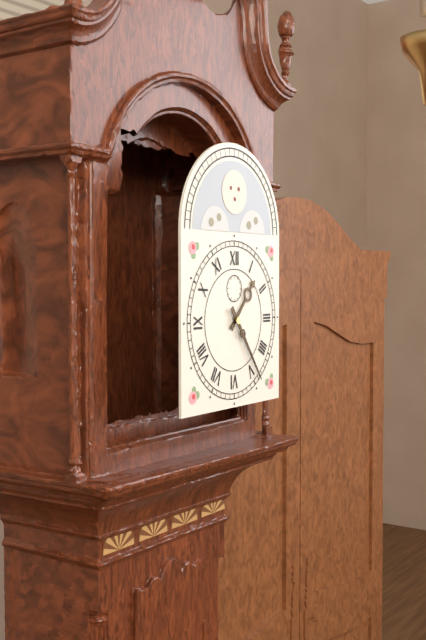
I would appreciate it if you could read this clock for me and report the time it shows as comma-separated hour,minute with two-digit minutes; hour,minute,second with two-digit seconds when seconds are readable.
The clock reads 1,24
